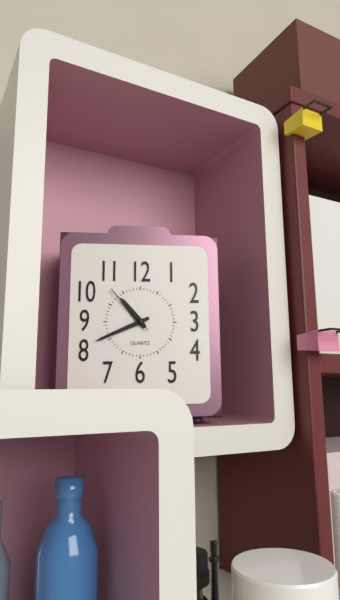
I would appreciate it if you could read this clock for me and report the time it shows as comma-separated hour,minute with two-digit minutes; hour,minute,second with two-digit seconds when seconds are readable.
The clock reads 10,41,53
